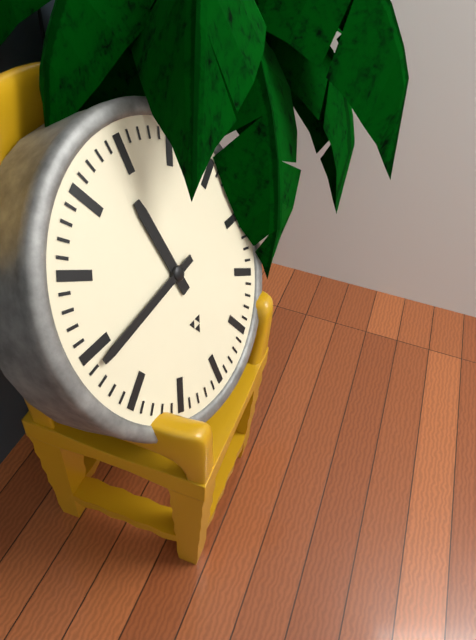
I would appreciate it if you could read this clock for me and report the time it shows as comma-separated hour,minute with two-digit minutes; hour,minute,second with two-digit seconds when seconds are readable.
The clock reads 11,44
